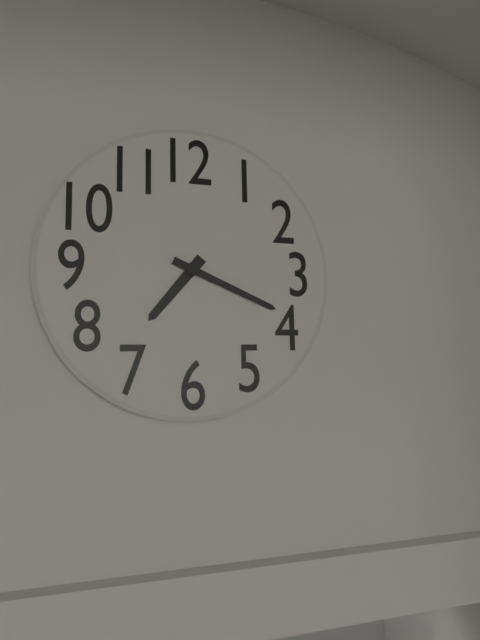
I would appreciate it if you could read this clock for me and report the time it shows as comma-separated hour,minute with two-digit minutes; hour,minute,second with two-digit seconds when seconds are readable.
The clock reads 7,19
